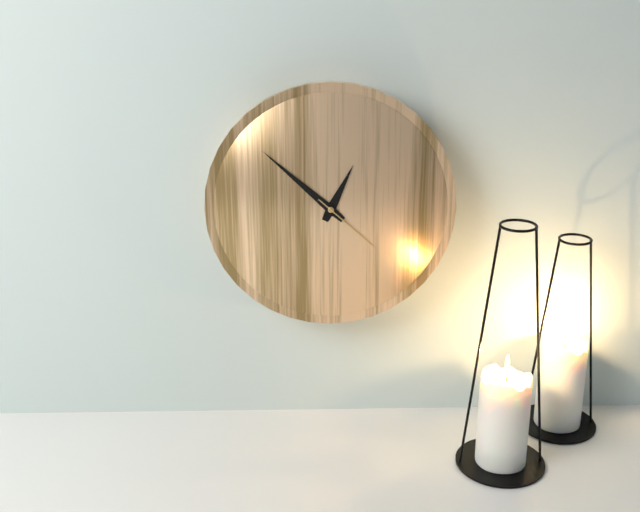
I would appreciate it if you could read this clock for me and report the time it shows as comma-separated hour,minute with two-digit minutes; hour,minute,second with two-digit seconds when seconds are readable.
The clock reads 12,52,22
